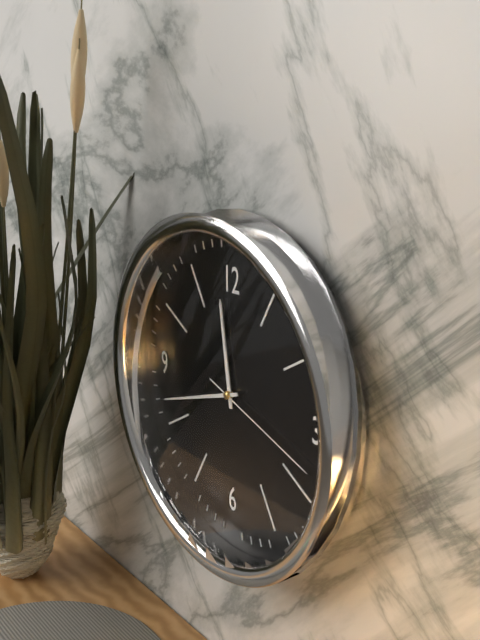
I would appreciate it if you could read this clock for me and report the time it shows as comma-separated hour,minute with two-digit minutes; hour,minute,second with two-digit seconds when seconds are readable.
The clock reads 11,42,18
